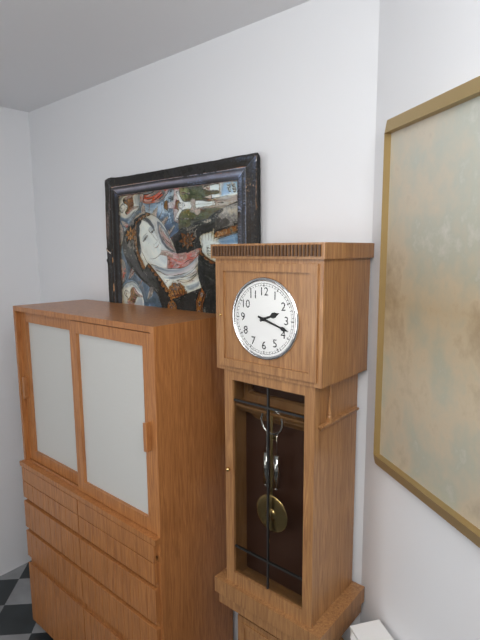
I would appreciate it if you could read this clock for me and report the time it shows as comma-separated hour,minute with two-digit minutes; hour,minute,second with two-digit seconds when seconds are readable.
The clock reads 2,18
